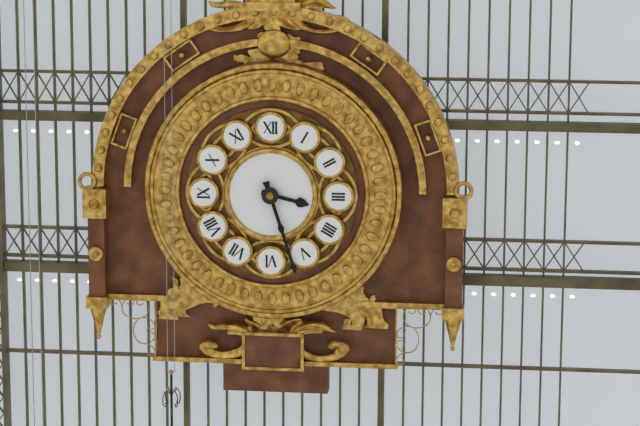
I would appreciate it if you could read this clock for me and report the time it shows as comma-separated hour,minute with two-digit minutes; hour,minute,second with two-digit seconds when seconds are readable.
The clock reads 3,27
